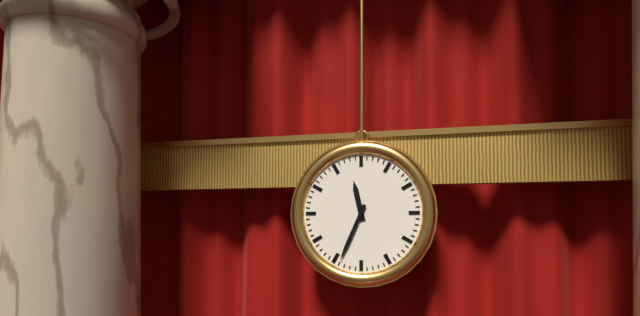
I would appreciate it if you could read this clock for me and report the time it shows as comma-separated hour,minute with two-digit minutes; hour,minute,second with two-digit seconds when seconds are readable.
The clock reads 11,34
